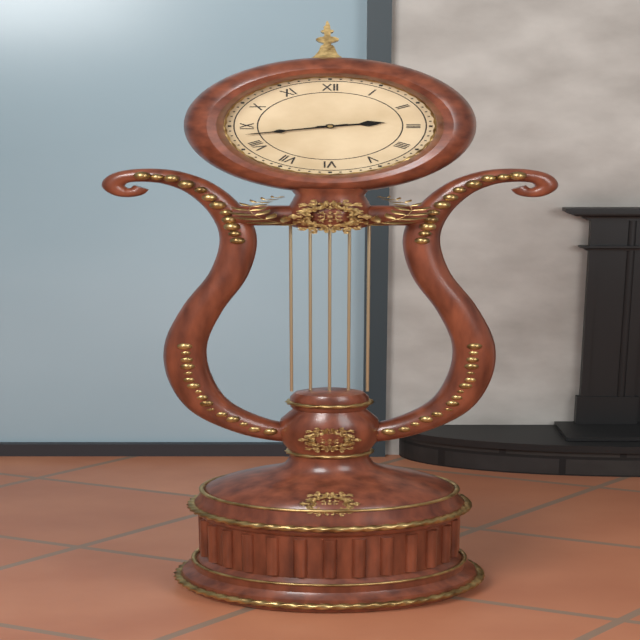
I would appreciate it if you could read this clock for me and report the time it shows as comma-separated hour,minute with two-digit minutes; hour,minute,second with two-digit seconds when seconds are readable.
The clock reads 2,43
